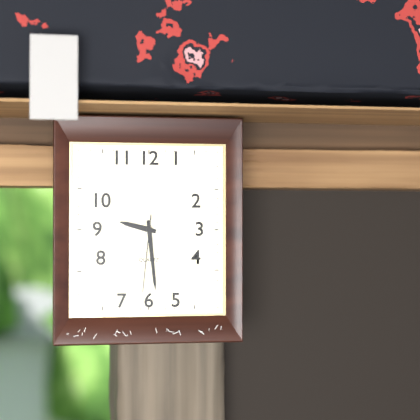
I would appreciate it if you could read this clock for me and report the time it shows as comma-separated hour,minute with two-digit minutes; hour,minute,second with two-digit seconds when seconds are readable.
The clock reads 9,29,31
